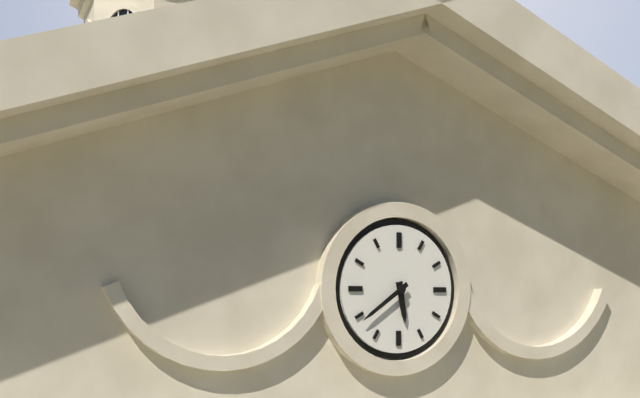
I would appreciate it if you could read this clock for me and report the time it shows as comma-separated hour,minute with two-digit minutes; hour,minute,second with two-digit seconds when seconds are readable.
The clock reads 5,39
